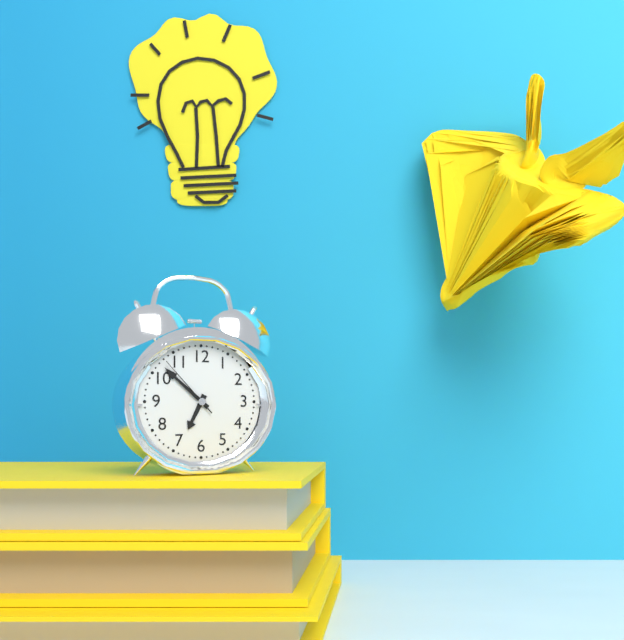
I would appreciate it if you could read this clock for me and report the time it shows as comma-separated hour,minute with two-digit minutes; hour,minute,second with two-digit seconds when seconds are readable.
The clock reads 6,52,53
